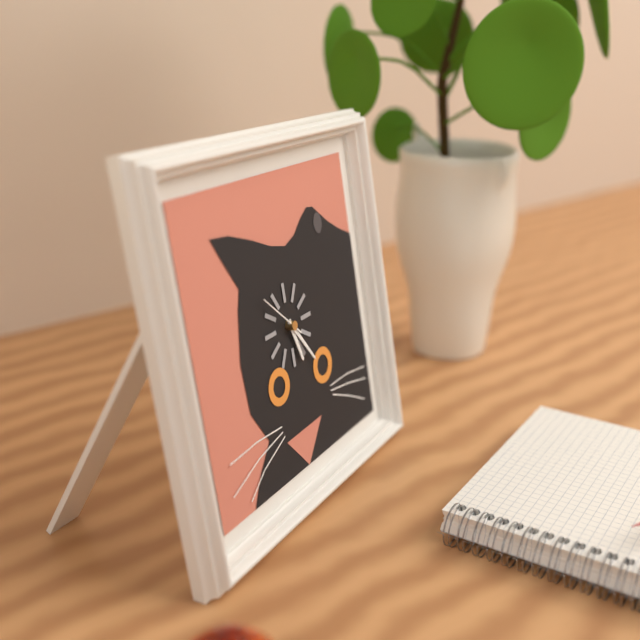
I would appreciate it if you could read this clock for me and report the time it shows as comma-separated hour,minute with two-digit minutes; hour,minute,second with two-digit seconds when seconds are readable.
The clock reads 5,24
